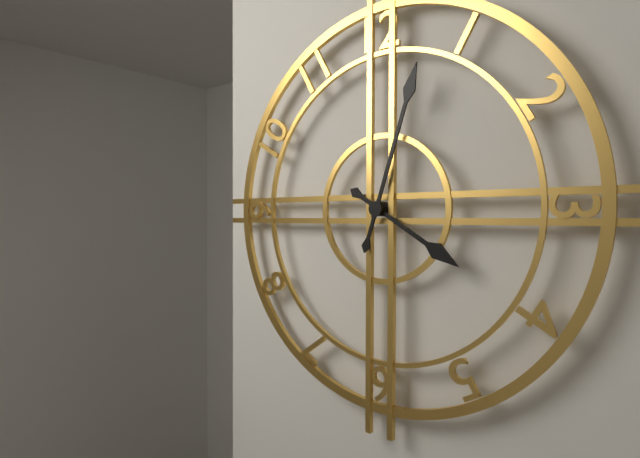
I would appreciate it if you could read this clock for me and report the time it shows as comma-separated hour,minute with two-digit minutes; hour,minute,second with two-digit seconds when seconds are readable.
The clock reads 4,03
